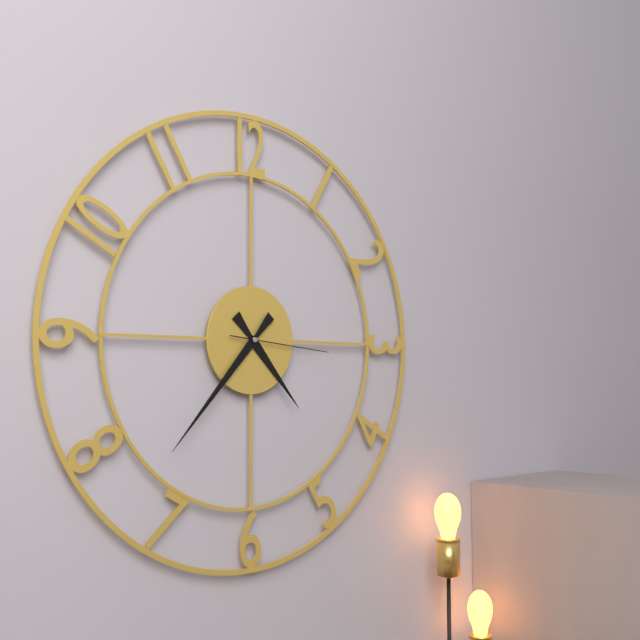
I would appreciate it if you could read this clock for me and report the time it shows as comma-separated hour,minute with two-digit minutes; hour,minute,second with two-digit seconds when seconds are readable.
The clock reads 4,37,16
